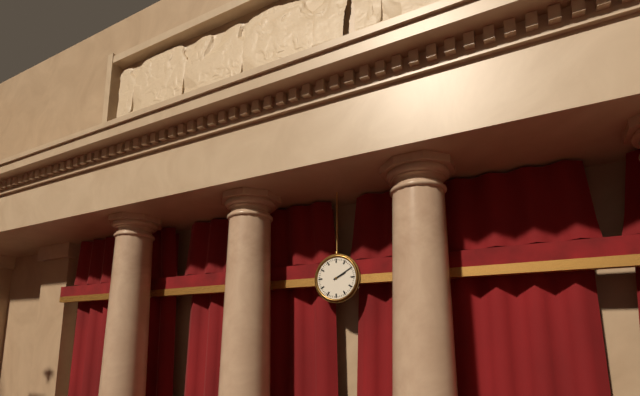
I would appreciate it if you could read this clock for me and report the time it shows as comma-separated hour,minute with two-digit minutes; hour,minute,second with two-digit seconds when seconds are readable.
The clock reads 2,10
